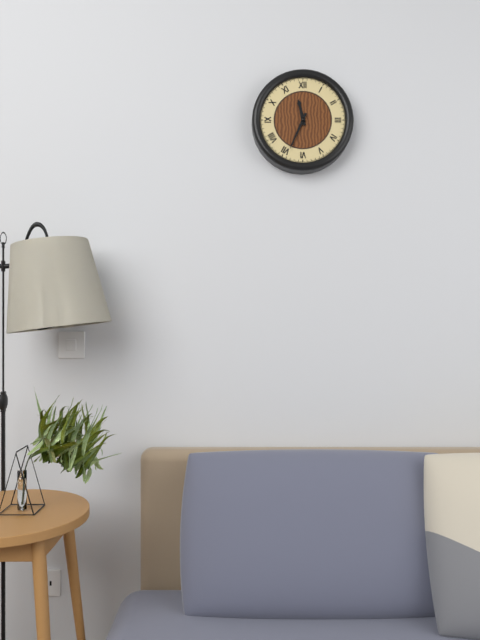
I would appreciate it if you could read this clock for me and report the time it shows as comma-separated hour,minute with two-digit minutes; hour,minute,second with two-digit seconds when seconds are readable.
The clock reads 11,34
